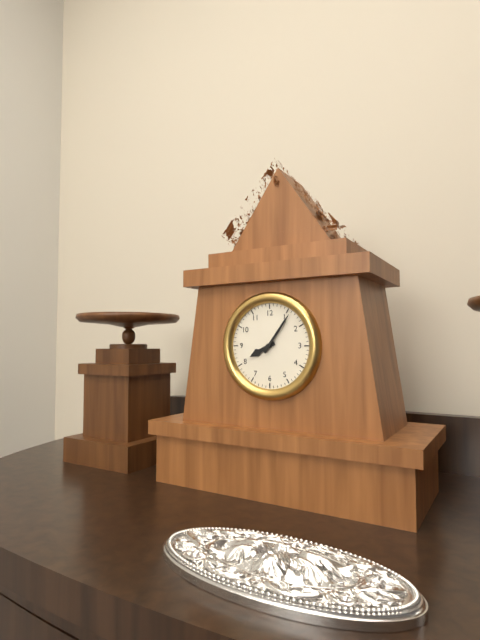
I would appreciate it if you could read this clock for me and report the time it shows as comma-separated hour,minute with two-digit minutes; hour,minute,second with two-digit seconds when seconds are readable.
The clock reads 8,06
